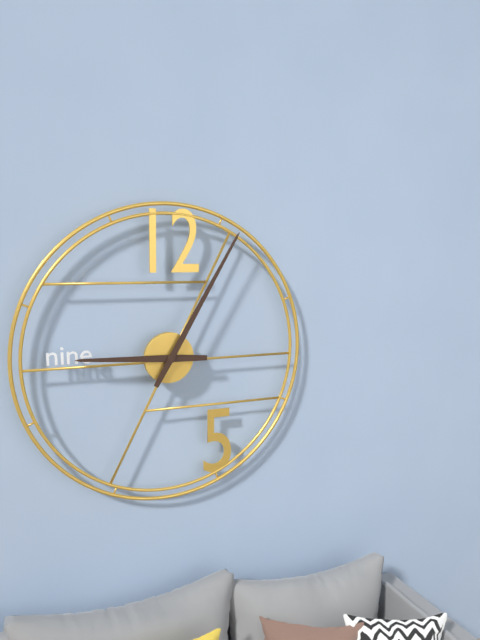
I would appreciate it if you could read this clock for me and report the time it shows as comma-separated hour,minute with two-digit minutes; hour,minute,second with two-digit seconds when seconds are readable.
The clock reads 9,05
